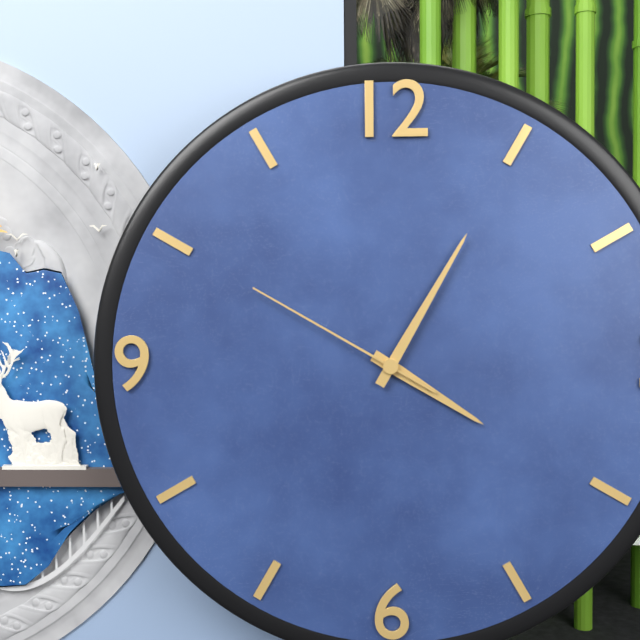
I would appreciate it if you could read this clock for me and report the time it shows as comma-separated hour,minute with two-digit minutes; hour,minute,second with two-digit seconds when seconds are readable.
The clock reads 4,05,50
